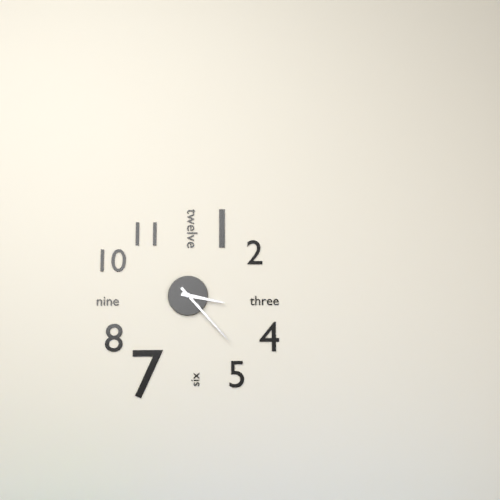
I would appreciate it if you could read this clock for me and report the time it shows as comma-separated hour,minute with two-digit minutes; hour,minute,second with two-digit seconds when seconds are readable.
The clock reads 3,23
